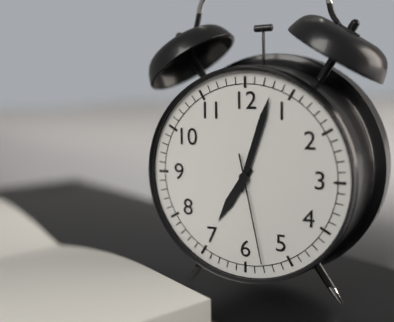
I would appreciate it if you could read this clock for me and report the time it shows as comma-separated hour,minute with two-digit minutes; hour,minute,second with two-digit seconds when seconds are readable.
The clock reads 7,03,28
